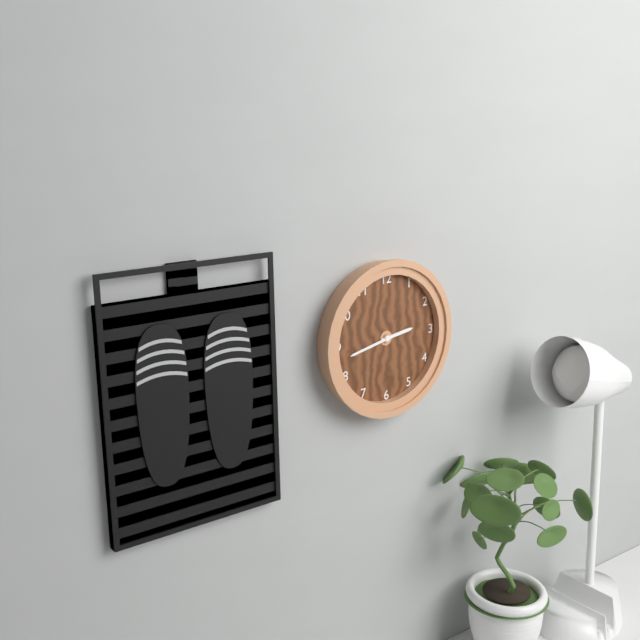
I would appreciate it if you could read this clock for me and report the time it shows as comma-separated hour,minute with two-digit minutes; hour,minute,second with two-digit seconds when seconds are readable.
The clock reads 2,43
